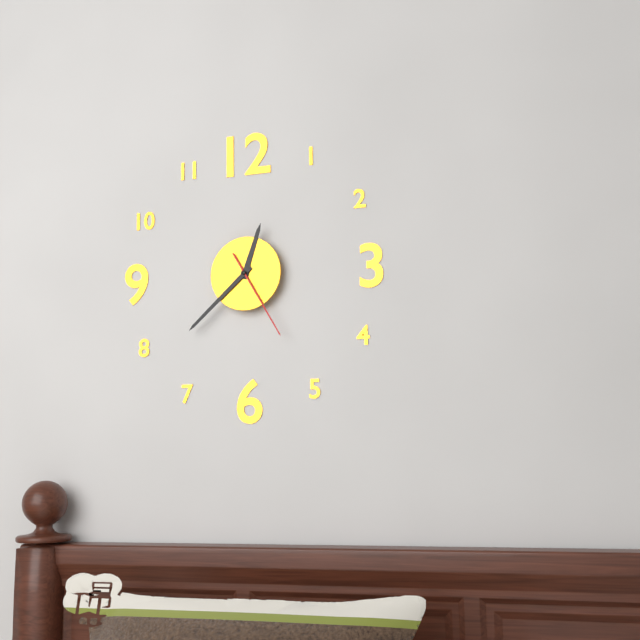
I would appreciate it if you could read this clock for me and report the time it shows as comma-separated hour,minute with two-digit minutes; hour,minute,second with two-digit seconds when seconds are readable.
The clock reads 12,38,25
